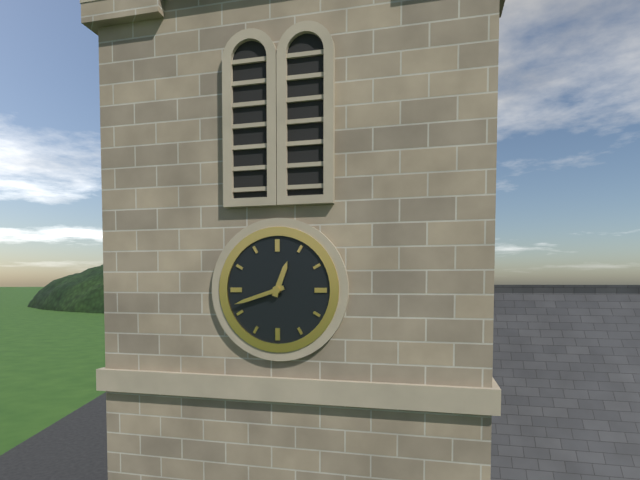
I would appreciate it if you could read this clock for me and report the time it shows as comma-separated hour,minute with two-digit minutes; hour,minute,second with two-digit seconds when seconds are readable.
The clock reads 12,42
